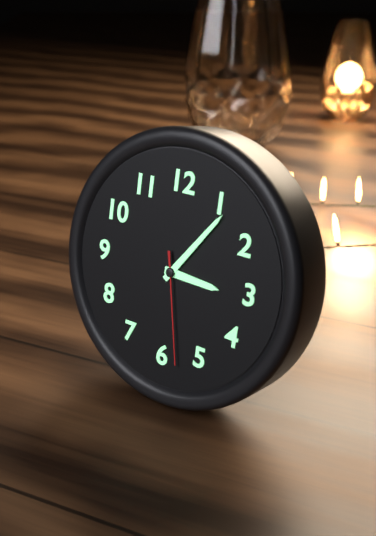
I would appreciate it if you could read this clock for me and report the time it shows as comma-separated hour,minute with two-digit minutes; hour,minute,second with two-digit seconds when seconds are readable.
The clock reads 3,06,28
